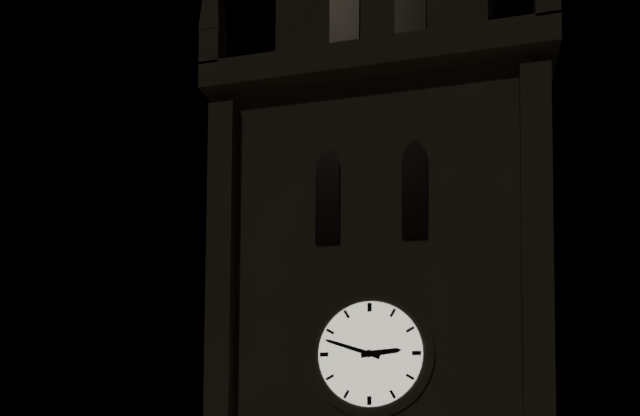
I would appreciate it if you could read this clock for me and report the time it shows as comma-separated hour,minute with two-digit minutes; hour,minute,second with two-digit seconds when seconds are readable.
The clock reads 2,48
